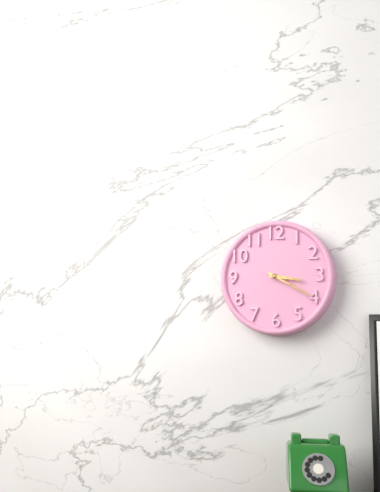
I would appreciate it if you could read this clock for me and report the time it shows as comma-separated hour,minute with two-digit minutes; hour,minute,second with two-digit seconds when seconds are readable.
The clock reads 3,20
